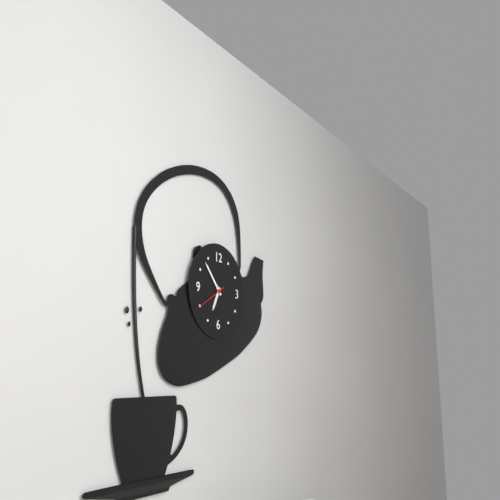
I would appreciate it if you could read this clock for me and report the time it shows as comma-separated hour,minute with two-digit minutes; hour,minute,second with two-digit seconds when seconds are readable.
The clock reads 6,53
